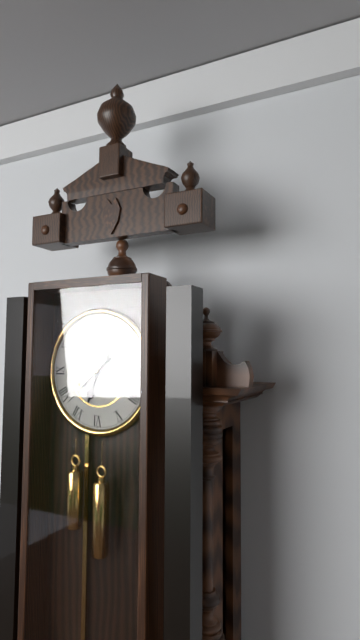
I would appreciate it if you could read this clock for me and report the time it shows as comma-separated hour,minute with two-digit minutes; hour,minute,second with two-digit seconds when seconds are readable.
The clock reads 6,38
